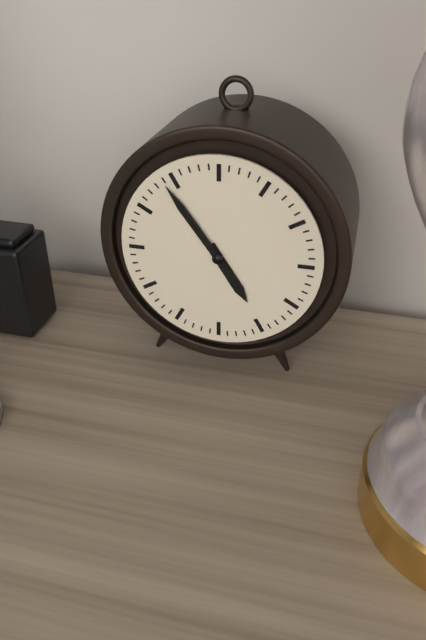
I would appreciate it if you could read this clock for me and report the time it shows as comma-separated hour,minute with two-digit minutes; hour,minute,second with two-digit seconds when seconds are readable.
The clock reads 4,54
